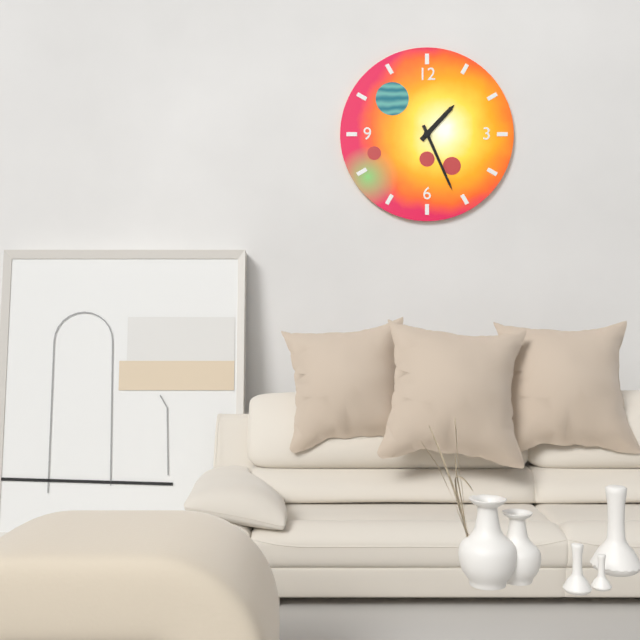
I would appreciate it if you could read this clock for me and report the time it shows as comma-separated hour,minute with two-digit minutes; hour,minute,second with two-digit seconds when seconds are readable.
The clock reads 1,26
